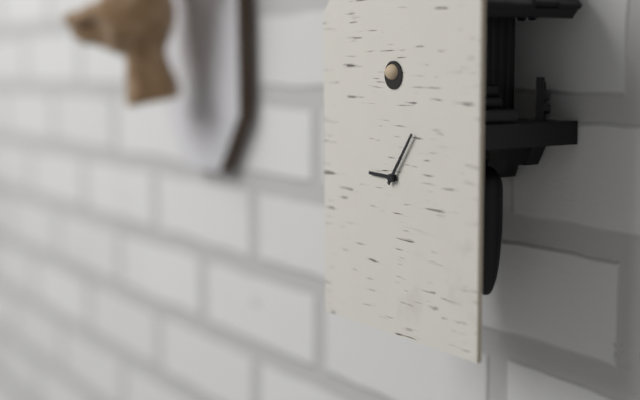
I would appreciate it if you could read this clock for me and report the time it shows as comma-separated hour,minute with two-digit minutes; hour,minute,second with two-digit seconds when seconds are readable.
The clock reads 9,06
